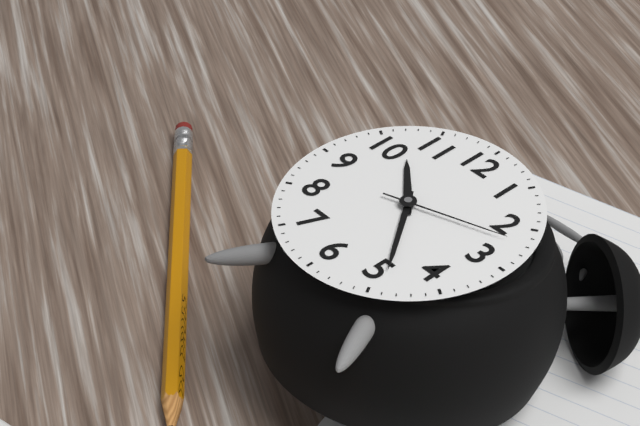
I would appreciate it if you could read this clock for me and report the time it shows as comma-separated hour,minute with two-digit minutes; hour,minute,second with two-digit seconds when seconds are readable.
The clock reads 10,24,12
